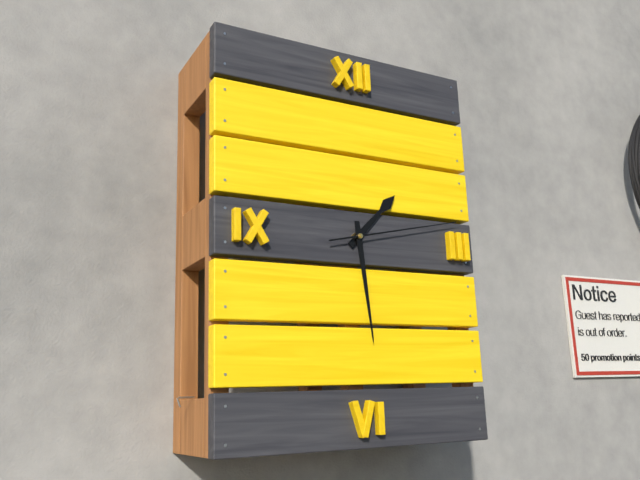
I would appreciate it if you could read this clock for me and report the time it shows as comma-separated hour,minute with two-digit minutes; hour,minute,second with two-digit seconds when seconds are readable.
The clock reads 1,29,13
